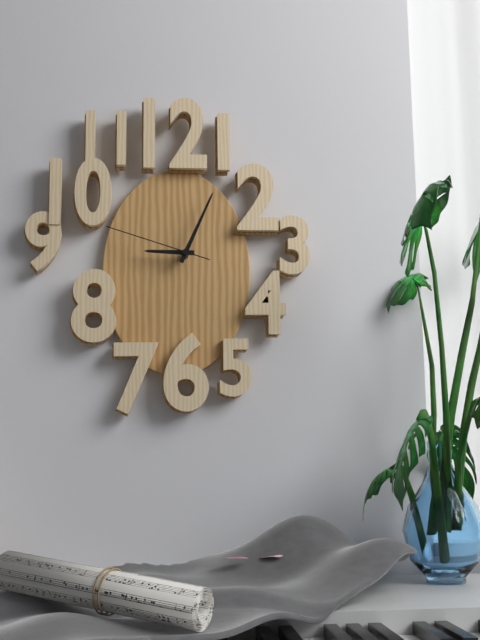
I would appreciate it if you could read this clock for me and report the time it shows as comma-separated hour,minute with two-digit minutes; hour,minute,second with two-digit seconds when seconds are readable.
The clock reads 9,04,48
